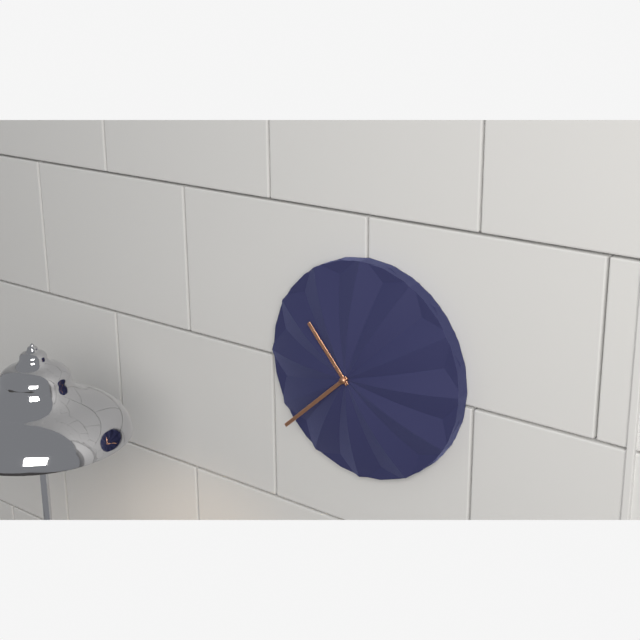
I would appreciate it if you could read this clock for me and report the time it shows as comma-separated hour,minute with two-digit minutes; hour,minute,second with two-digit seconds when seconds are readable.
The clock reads 10,38
